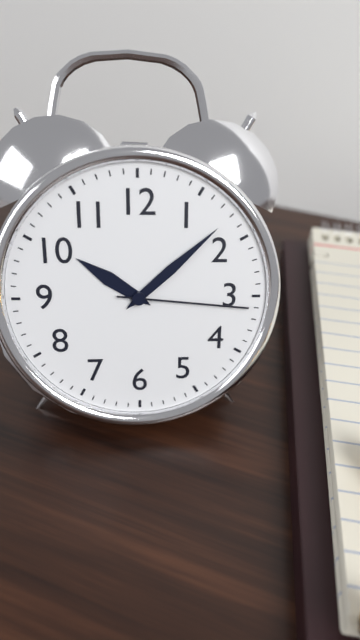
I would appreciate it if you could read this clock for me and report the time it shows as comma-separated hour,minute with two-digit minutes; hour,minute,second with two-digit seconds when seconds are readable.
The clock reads 10,08,16
